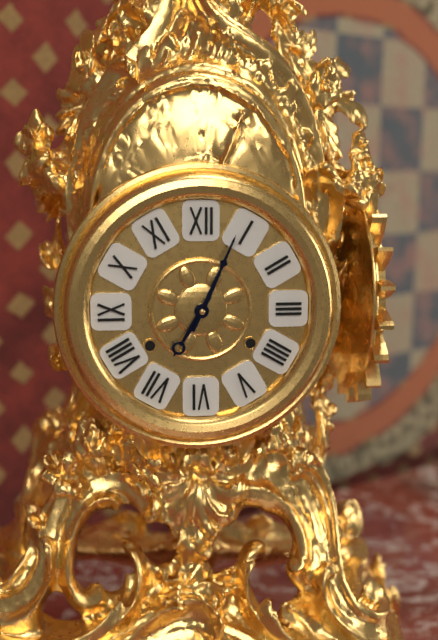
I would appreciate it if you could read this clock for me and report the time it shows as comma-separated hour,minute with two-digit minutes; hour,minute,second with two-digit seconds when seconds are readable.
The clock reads 7,04
